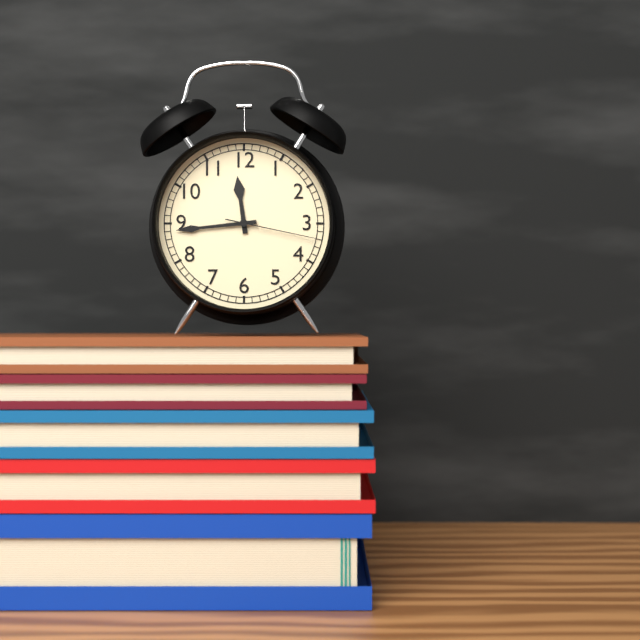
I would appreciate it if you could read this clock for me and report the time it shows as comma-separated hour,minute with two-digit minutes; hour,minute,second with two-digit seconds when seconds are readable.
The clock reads 11,44,17
